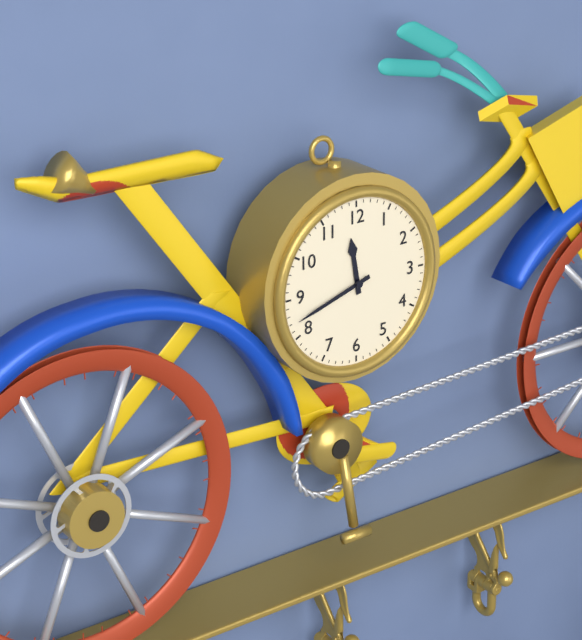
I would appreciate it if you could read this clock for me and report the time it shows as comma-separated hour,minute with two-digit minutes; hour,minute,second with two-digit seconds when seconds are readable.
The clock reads 11,42
